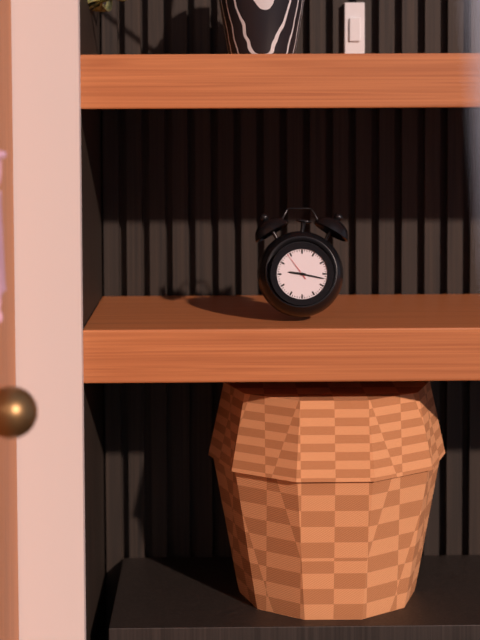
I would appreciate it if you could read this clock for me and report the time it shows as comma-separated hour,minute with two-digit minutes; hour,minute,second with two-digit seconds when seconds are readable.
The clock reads 9,17
